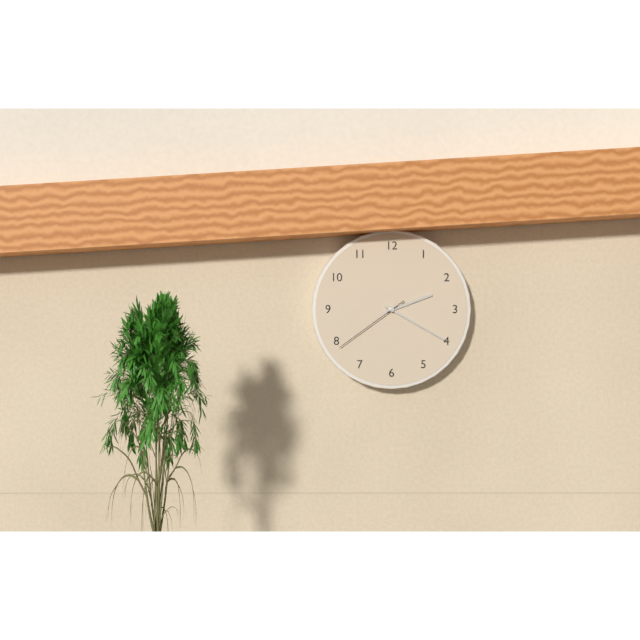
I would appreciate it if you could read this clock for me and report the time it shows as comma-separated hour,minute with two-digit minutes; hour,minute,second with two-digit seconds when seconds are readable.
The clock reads 2,20,39
